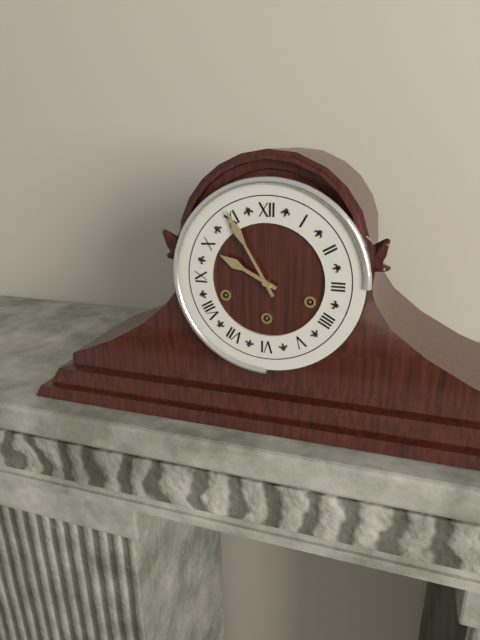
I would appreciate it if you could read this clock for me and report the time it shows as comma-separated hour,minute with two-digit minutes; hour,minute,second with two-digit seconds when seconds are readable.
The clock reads 9,55
